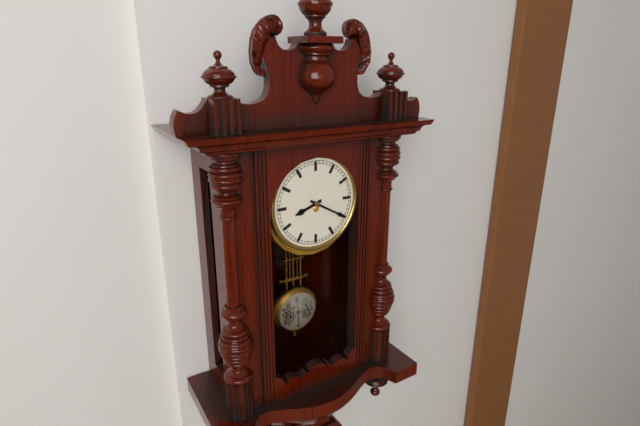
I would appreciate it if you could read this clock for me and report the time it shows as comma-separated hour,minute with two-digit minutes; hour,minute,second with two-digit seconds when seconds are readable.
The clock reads 8,20
